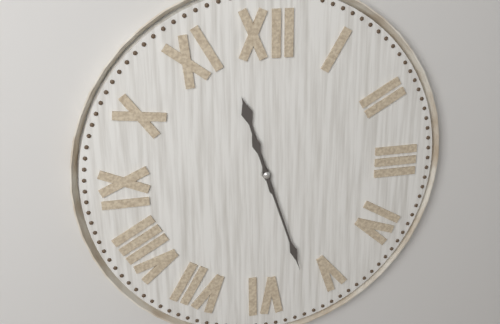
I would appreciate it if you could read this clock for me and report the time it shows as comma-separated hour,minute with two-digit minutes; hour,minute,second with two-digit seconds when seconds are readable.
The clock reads 11,27
